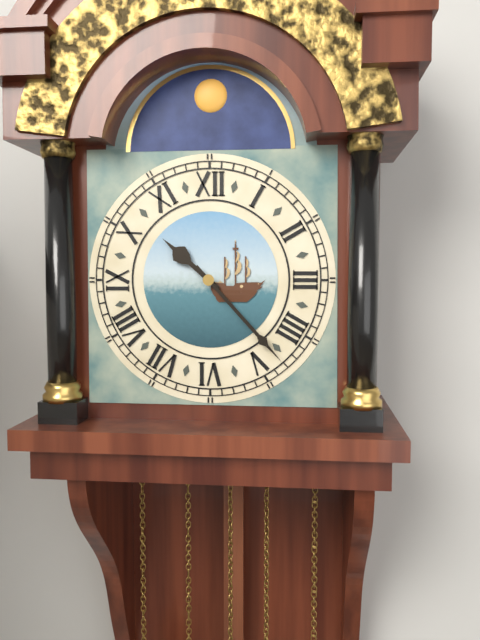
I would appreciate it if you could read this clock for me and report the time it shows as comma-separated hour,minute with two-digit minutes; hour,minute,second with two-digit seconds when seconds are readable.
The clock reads 10,23
